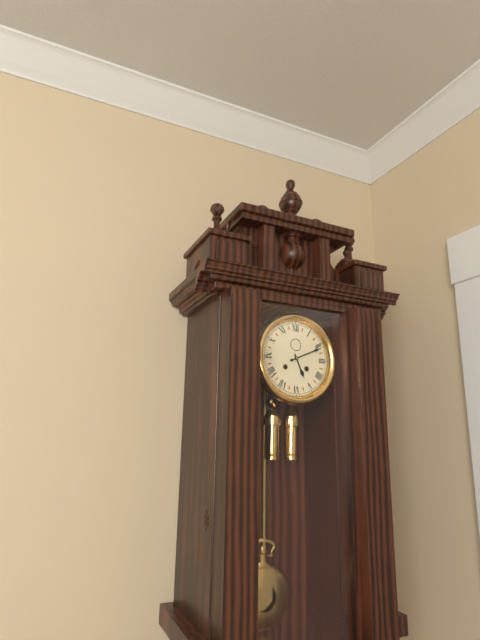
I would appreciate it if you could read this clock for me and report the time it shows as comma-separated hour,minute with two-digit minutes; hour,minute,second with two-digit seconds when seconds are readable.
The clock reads 5,11
